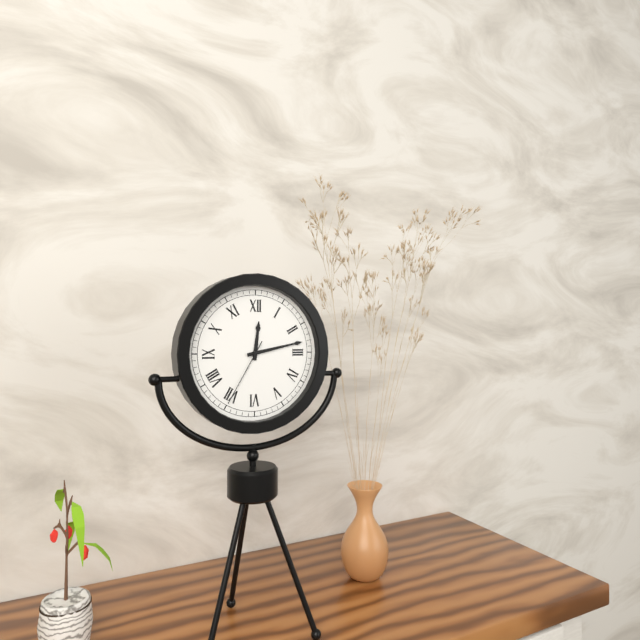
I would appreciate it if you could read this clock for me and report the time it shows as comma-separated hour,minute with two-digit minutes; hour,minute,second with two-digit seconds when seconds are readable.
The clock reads 12,13,35
